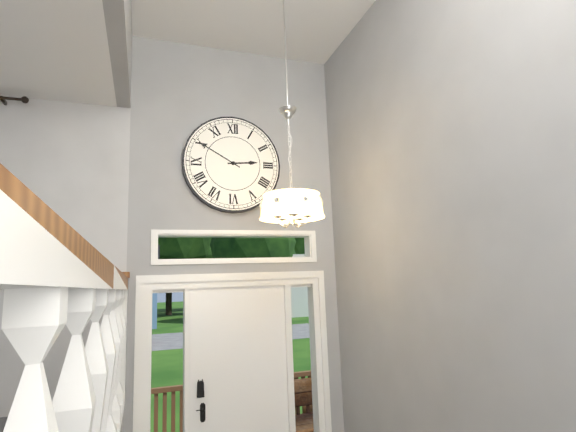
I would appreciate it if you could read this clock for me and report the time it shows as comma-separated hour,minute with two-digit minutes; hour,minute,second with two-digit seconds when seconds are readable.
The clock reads 2,50
